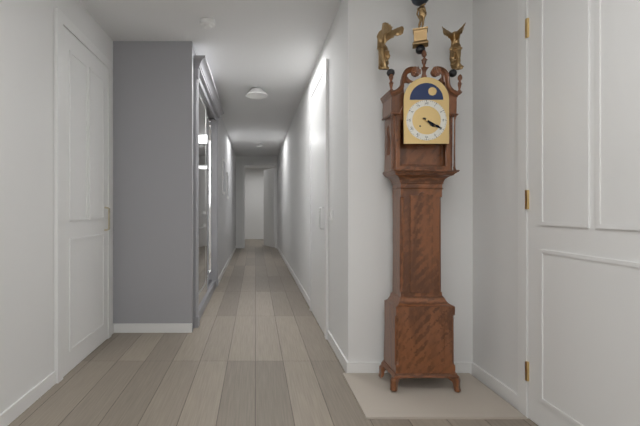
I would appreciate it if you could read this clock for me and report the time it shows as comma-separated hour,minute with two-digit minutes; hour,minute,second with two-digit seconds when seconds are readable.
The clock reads 4,20
